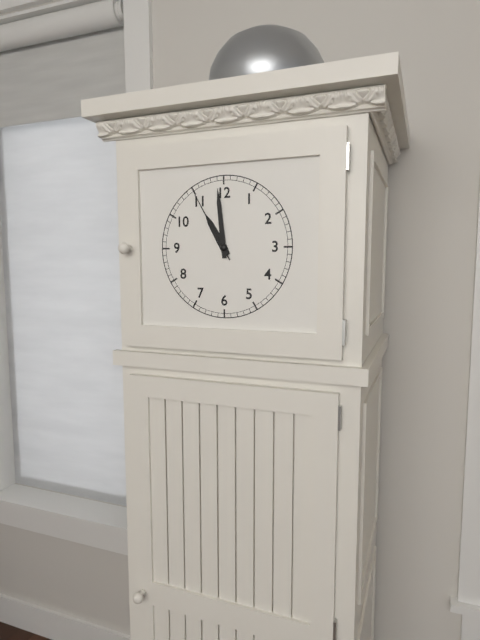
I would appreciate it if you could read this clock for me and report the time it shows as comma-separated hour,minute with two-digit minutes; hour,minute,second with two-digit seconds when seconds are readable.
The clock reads 10,59,55
